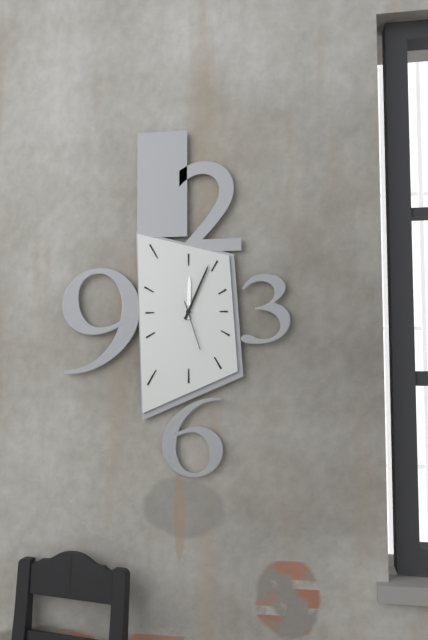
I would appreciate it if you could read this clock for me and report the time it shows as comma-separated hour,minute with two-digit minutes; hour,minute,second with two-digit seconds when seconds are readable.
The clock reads 12,04
